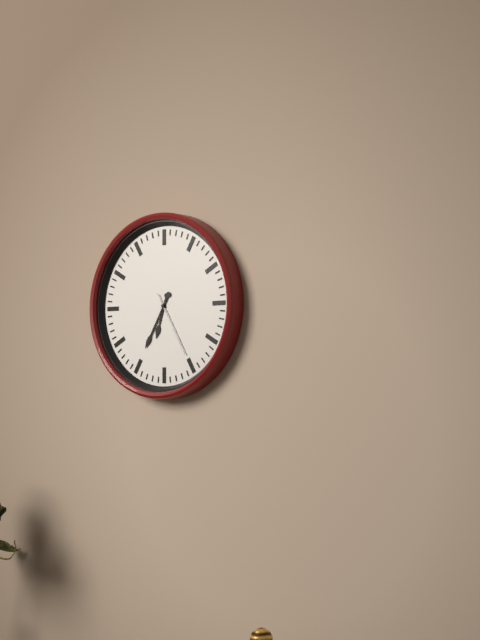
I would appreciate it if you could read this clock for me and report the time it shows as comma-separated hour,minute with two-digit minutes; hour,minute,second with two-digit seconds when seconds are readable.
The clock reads 6,35,25
